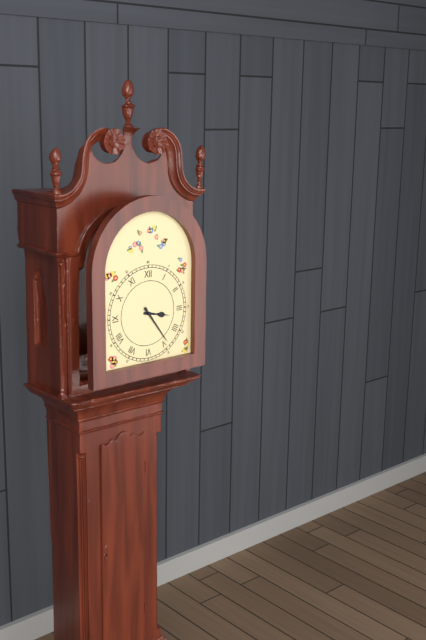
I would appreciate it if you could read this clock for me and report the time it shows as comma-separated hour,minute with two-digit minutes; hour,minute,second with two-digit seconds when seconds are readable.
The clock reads 3,24
